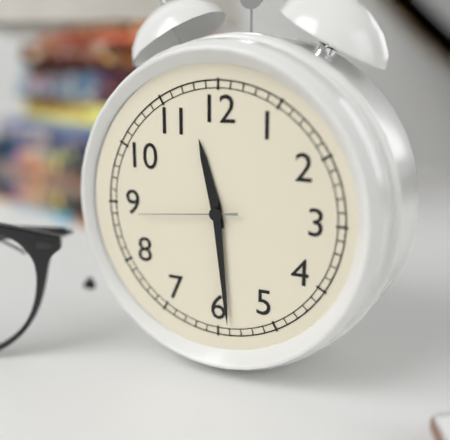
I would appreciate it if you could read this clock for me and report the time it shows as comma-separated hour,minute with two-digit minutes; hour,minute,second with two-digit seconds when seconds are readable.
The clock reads 11,29,44
